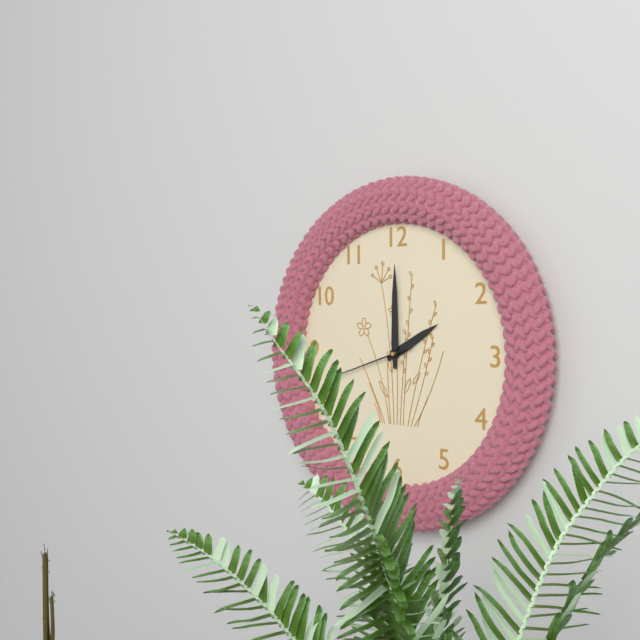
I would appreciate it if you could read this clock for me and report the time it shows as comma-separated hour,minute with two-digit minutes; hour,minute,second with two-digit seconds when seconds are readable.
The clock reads 2,00,42
